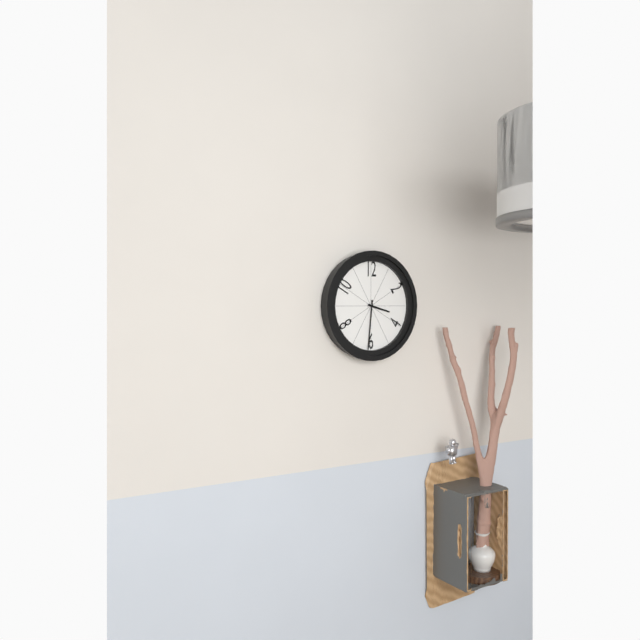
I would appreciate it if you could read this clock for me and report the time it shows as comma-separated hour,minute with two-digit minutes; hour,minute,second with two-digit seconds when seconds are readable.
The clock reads 3,31
